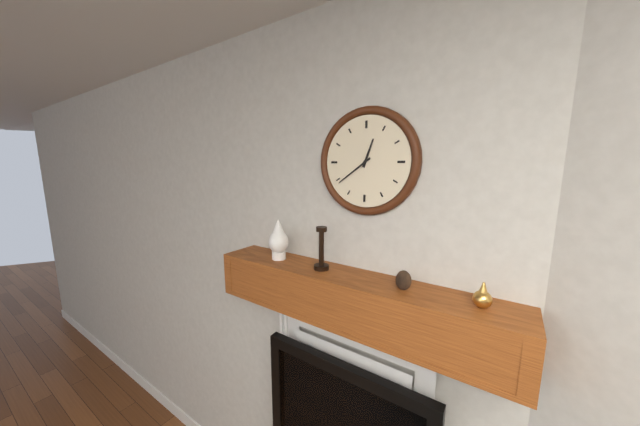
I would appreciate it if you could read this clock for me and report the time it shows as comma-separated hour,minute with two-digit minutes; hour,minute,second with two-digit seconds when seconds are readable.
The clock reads 12,39
